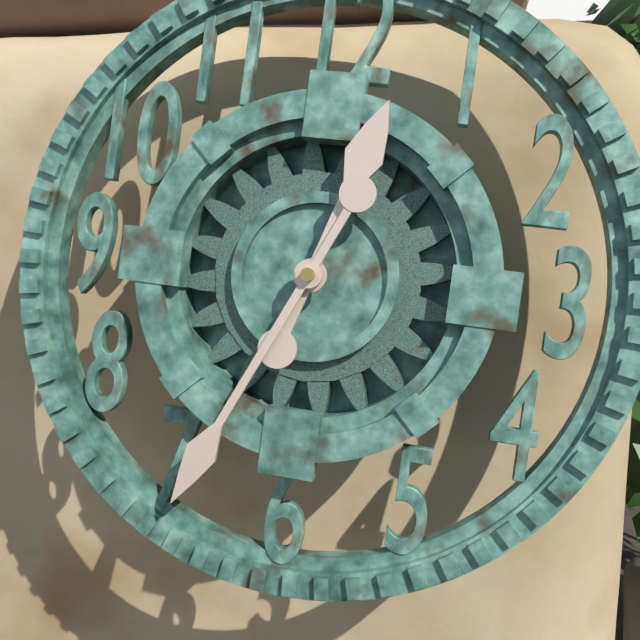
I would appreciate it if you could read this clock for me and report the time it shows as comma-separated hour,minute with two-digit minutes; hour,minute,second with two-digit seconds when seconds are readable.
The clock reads 12,34
